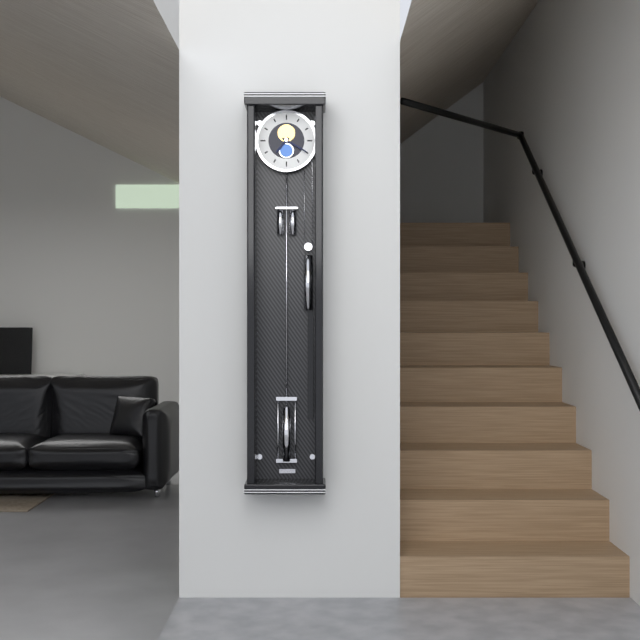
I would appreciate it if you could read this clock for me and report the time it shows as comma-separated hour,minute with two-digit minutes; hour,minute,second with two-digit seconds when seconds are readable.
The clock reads 7,20
